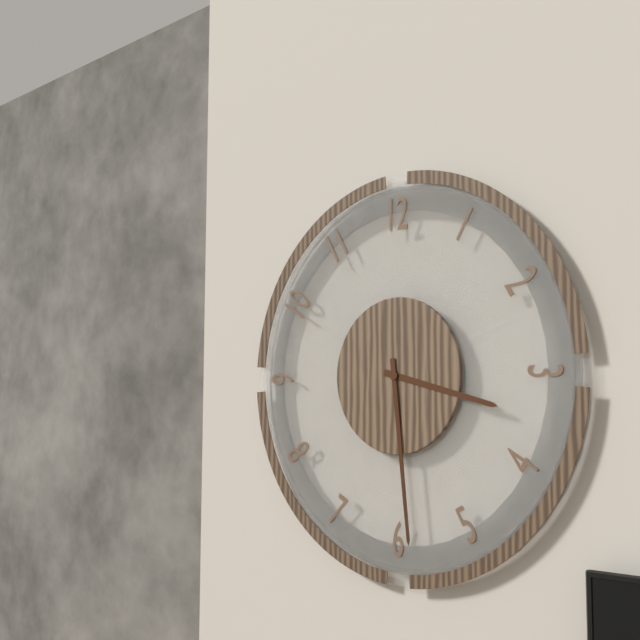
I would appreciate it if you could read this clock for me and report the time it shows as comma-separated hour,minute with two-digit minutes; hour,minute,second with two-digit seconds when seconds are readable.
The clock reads 3,29
